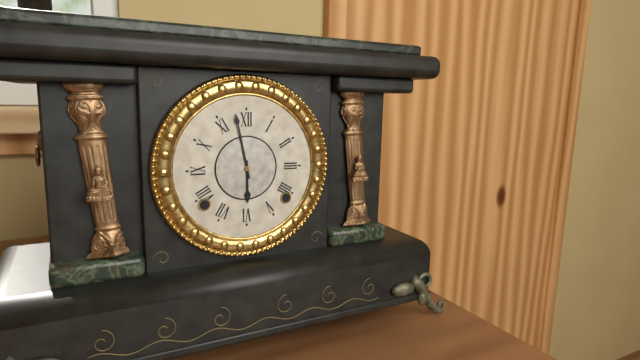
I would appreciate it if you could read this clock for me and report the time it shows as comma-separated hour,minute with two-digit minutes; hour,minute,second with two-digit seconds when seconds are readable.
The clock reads 5,58
